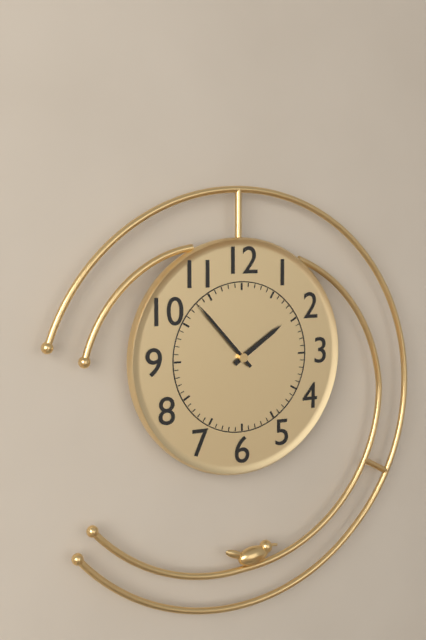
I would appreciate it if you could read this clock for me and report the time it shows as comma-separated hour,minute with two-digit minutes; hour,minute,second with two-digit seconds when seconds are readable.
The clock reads 1,53
